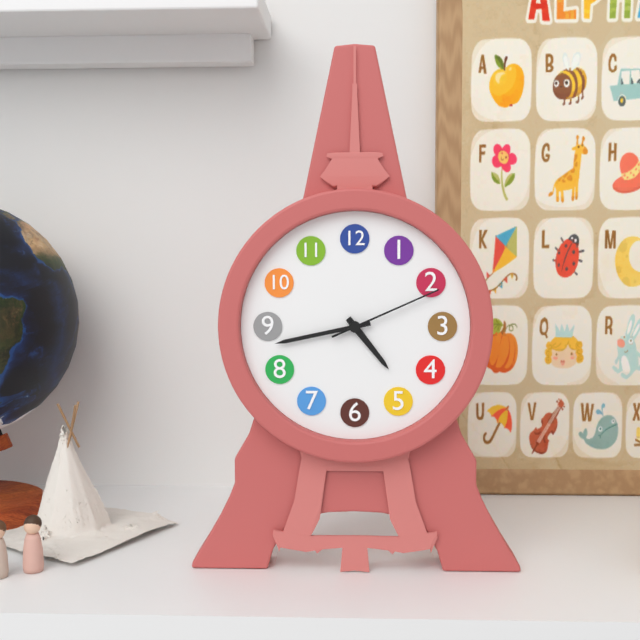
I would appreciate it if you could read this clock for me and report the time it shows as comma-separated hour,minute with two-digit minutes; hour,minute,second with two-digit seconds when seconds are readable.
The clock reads 4,43,11
